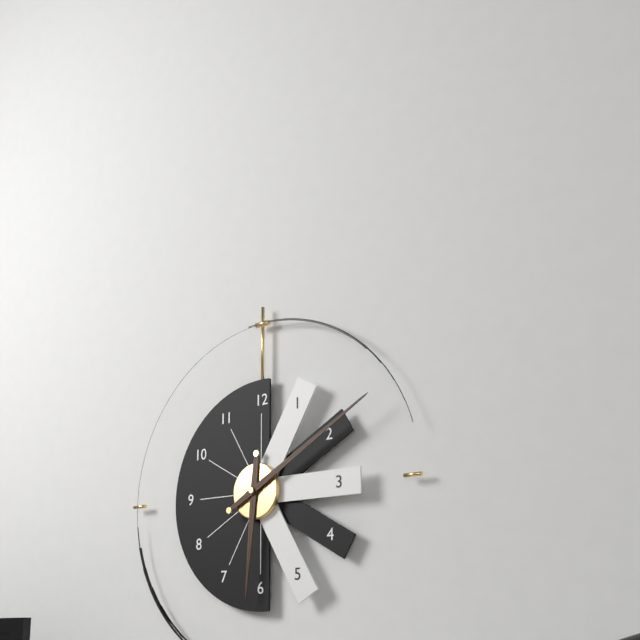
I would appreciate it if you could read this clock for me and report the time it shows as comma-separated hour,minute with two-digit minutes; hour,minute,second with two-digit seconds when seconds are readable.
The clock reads 6,10
